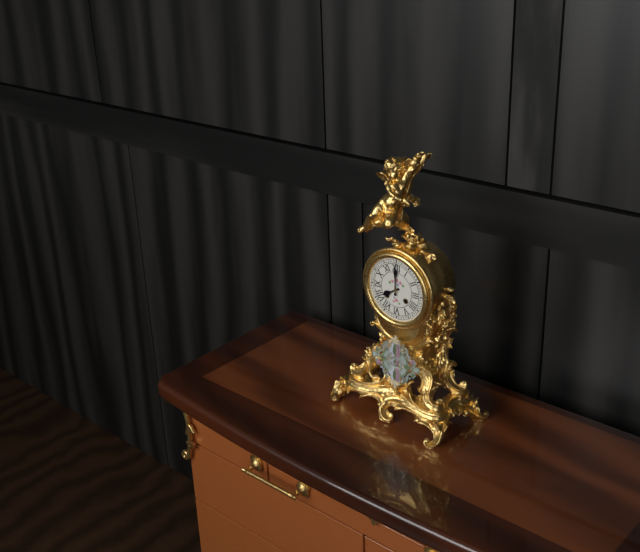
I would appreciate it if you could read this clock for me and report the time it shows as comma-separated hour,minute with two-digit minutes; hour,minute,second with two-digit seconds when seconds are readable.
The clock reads 8,00
